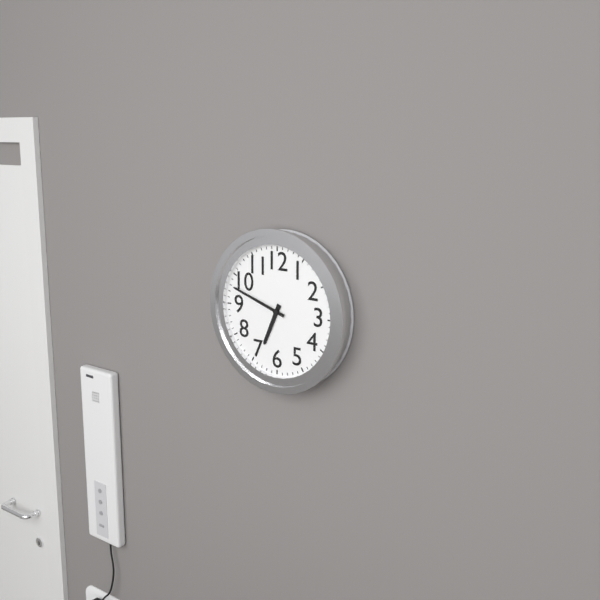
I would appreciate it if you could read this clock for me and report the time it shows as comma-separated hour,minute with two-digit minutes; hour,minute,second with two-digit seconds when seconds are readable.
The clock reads 6,48
